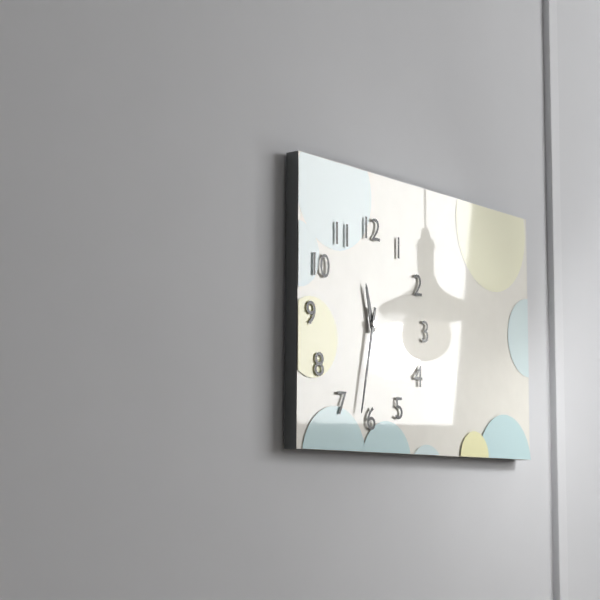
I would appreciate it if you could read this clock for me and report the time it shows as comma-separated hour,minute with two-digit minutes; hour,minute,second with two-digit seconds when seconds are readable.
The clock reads 11,32
